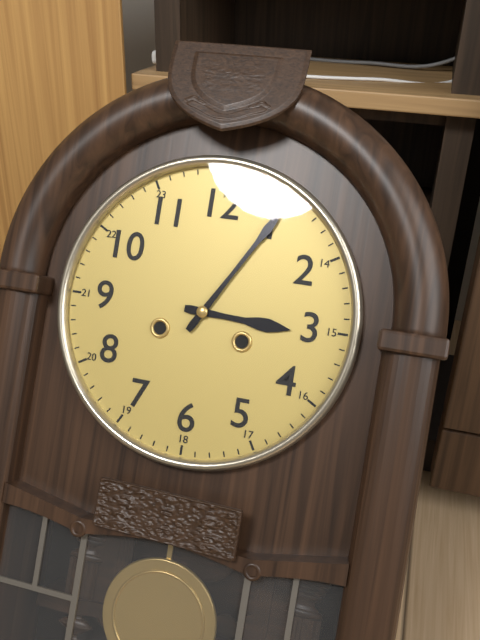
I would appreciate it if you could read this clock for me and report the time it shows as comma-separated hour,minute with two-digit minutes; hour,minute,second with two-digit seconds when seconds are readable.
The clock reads 3,05
